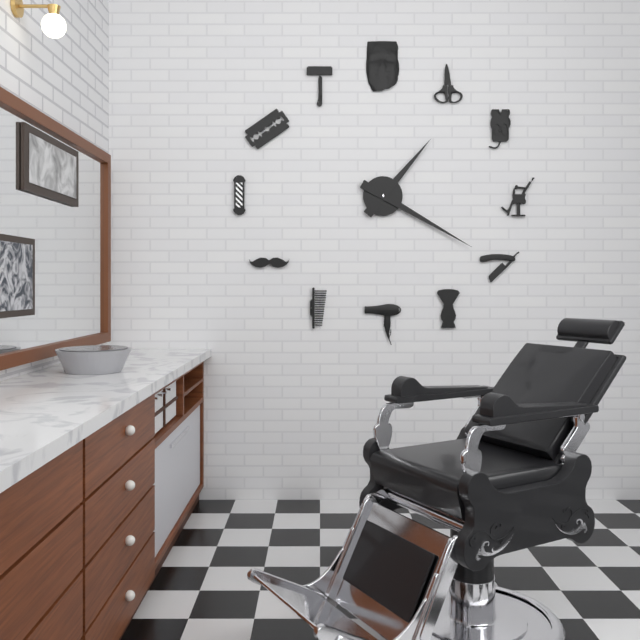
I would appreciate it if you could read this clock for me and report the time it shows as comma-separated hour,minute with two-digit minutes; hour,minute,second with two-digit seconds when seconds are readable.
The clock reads 1,20
